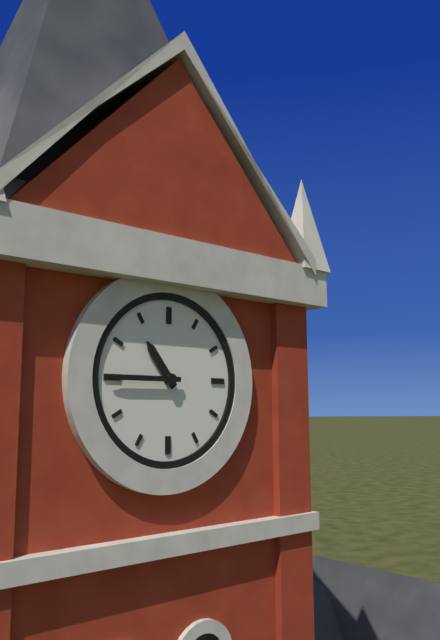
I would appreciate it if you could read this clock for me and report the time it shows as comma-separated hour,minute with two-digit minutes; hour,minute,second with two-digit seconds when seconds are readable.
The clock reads 10,45
